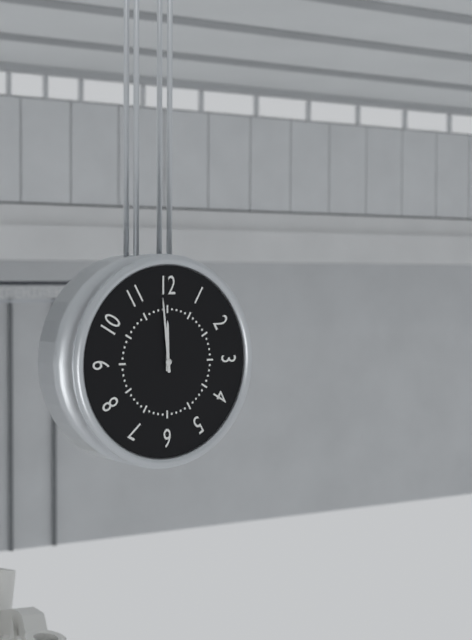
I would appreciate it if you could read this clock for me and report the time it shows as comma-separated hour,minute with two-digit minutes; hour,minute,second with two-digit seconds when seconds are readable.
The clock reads 11,59
